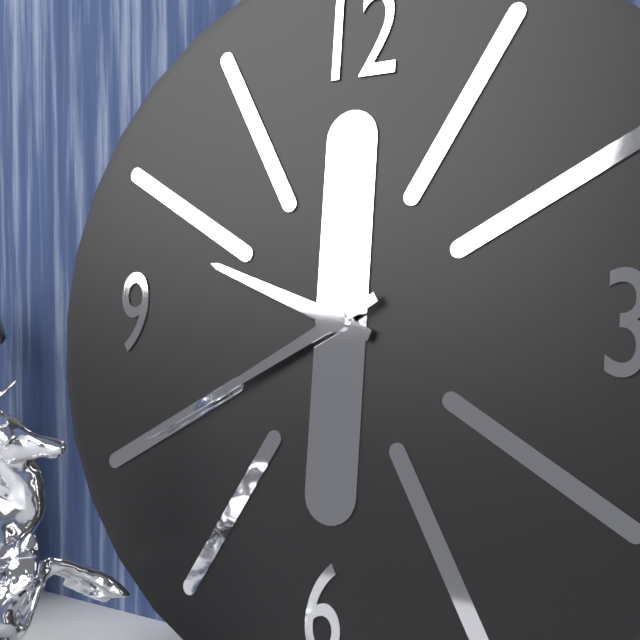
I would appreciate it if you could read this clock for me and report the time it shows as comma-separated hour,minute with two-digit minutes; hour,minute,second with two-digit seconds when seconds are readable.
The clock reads 9,40
